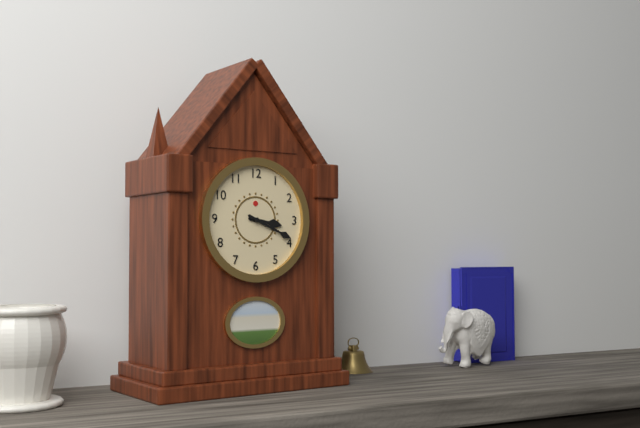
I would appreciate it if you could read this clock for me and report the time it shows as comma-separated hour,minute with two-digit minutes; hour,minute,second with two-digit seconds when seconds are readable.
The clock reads 3,19
